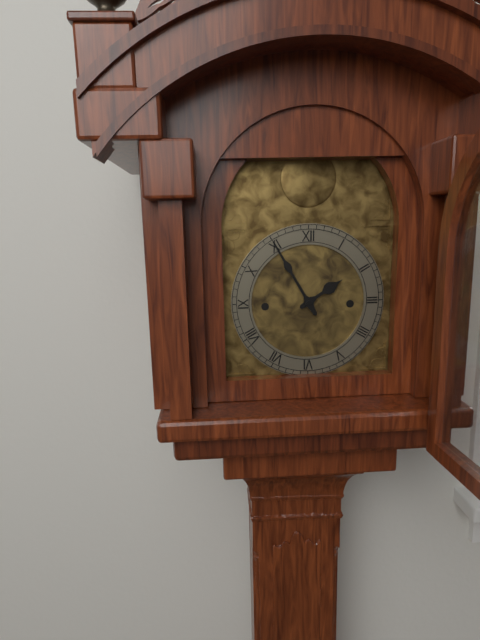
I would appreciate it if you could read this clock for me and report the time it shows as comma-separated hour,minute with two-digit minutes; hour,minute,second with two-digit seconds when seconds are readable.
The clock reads 1,55
